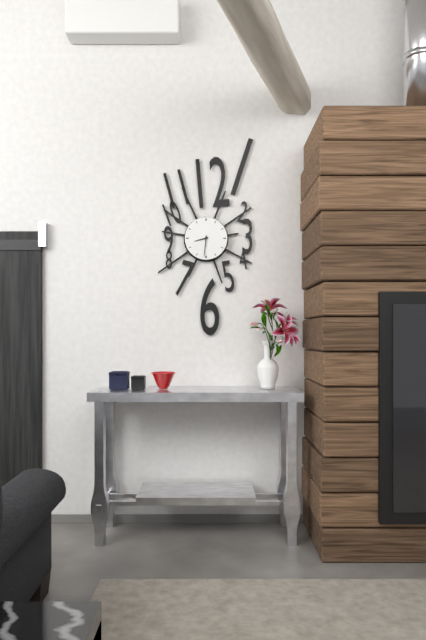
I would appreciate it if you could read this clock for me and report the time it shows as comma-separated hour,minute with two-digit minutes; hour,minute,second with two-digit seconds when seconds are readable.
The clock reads 8,31
